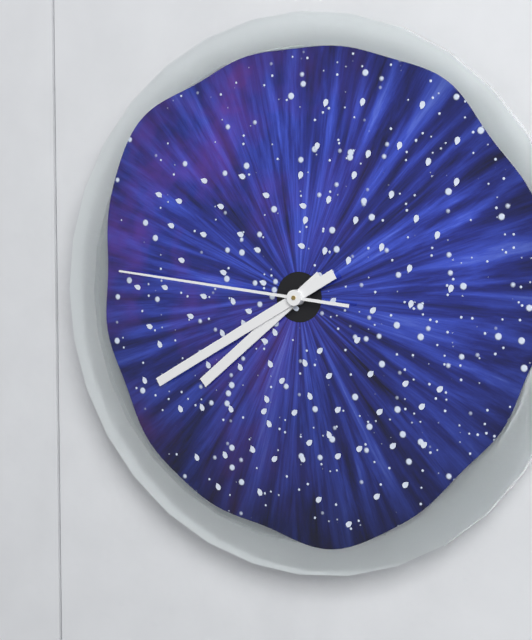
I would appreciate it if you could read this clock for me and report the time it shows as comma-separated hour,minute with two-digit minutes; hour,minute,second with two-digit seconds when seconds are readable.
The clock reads 7,40,46
